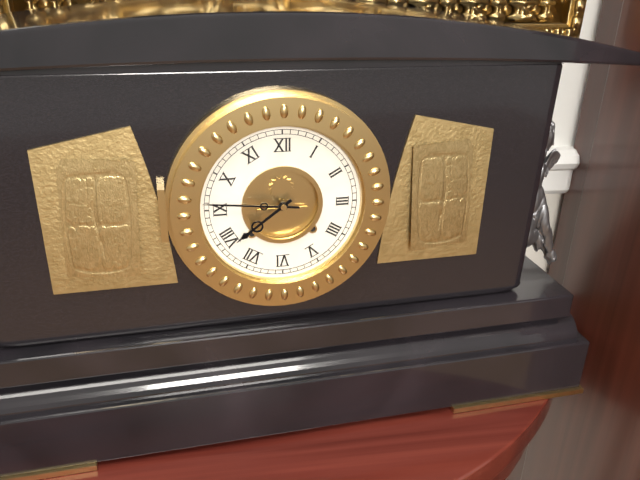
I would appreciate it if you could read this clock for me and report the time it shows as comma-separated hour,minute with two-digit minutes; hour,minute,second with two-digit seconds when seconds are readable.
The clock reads 7,46
